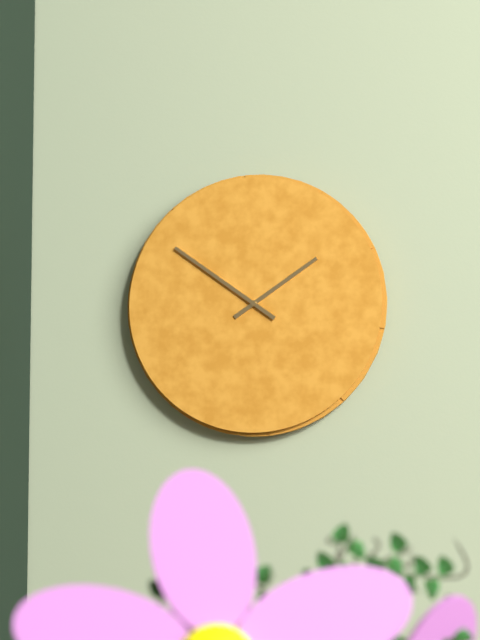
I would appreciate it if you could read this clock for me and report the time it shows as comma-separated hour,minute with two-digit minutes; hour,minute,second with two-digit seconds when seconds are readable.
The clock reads 1,51
